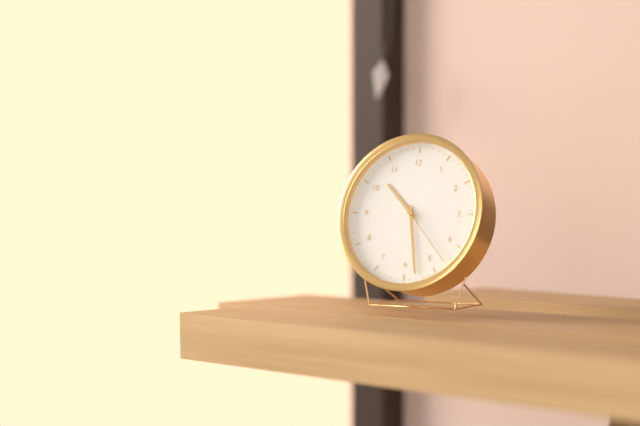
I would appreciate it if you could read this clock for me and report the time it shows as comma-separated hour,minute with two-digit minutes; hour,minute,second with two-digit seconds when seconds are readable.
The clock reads 10,28,23
